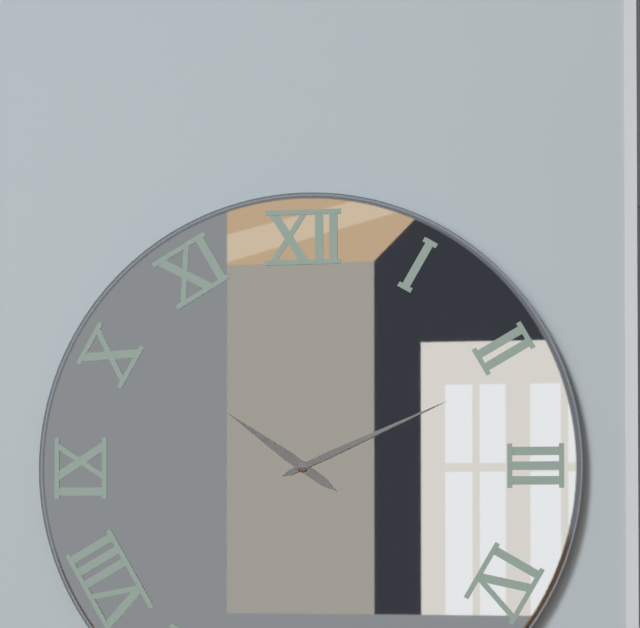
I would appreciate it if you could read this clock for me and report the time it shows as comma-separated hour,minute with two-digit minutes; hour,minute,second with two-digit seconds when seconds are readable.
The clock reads 10,11
